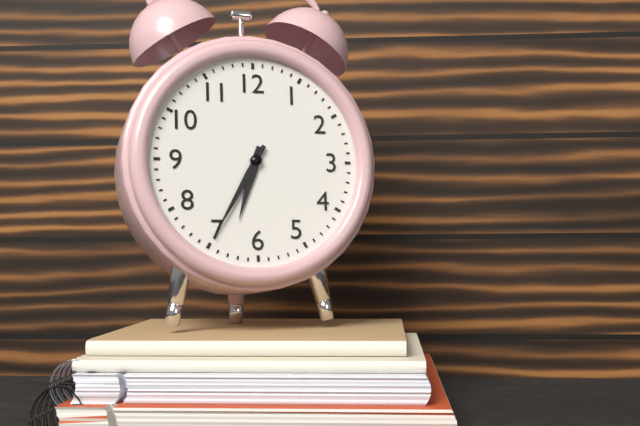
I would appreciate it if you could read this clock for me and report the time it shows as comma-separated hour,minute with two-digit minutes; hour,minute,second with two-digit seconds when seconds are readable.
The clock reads 6,35
